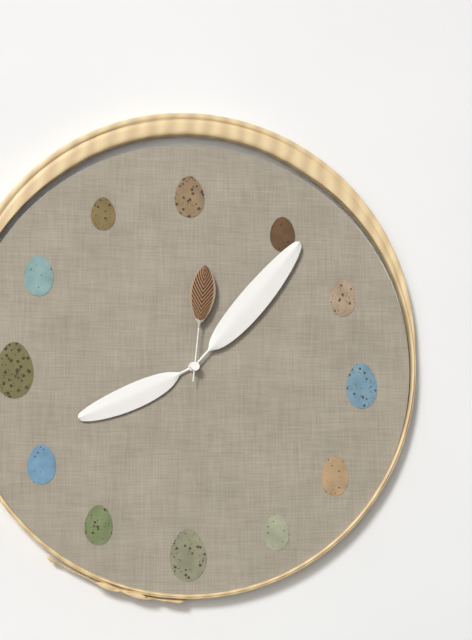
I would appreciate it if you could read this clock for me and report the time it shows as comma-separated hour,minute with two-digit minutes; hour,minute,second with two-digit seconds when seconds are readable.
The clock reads 8,07,01
